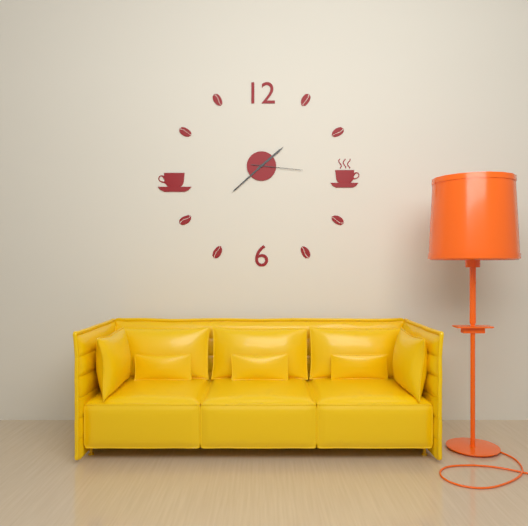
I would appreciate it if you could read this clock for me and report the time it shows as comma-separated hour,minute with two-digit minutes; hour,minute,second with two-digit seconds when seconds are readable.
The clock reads 1,38,16
